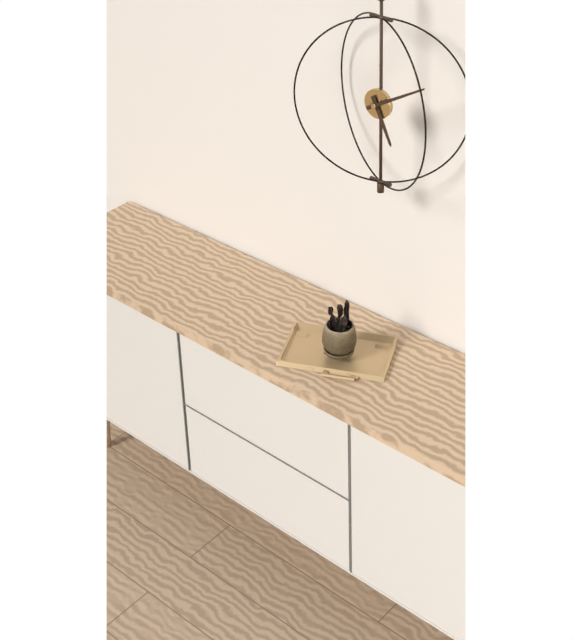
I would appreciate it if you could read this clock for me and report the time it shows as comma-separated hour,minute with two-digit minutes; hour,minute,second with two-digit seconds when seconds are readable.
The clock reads 5,10
